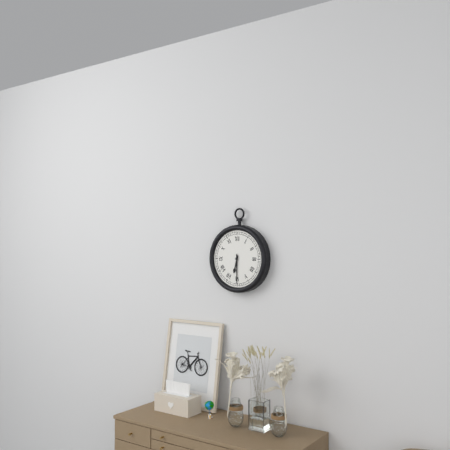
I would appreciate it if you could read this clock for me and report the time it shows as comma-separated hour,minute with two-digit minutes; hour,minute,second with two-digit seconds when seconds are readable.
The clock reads 6,30
